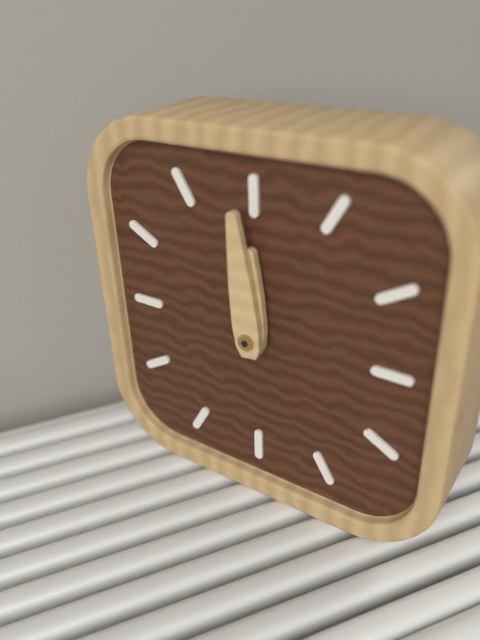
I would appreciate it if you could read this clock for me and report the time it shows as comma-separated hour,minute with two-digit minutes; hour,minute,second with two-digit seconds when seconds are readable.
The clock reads 11,59
